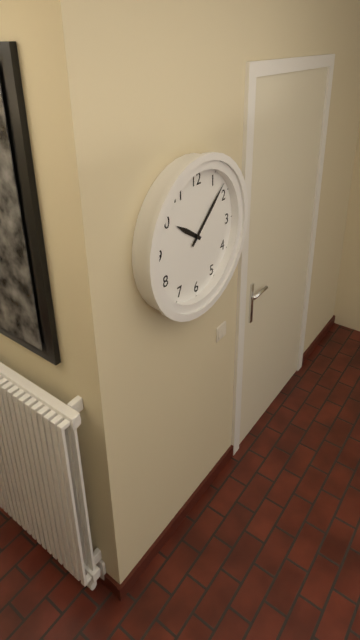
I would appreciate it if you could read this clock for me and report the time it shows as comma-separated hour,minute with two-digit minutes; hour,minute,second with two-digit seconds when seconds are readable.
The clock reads 10,08
